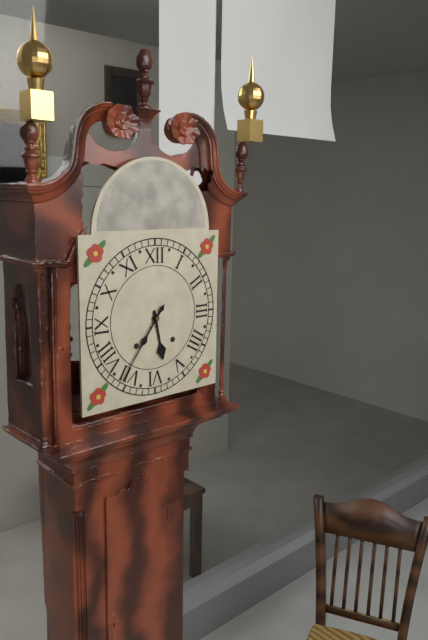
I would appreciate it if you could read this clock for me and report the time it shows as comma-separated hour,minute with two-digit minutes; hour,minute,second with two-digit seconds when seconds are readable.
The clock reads 5,36
